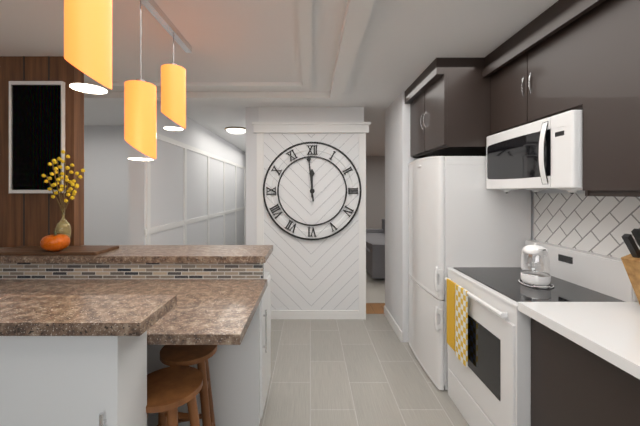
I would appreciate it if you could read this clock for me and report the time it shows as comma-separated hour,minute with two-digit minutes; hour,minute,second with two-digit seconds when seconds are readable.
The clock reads 11,59
